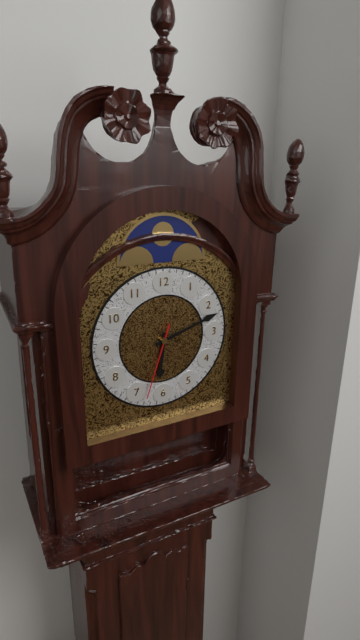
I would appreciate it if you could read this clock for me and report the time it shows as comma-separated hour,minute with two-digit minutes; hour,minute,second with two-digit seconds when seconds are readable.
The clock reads 6,12,33
